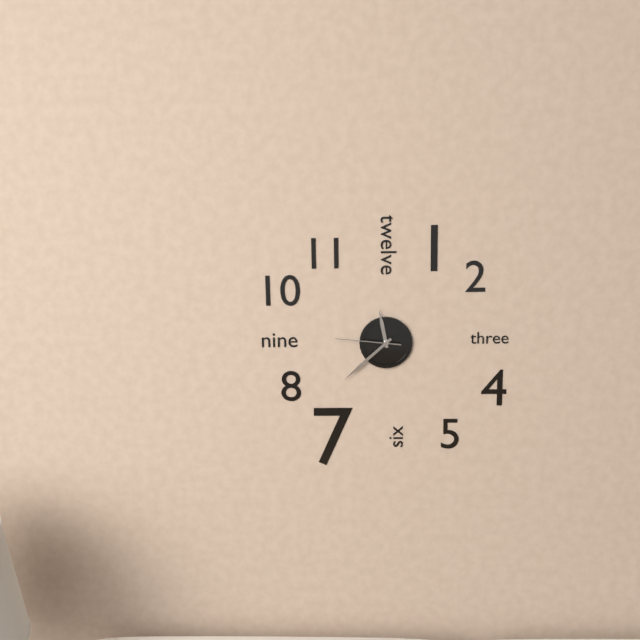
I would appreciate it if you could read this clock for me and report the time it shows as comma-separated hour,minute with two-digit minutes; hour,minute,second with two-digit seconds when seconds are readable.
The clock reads 11,38,46
